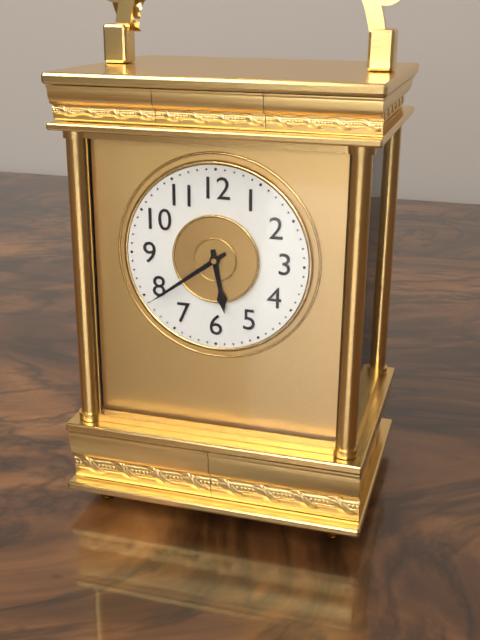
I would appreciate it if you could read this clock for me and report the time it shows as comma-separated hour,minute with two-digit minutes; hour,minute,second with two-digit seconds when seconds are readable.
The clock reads 5,39
